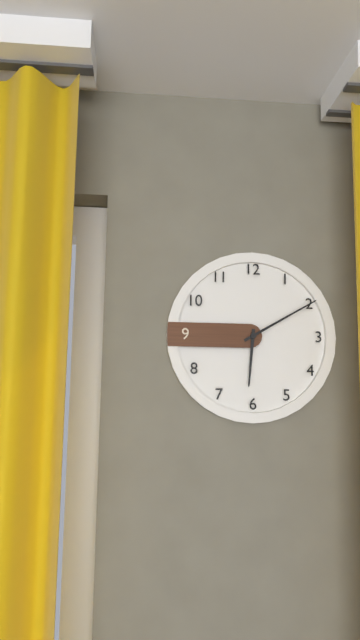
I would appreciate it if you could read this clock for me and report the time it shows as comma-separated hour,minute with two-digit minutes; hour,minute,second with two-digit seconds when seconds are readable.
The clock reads 6,10
